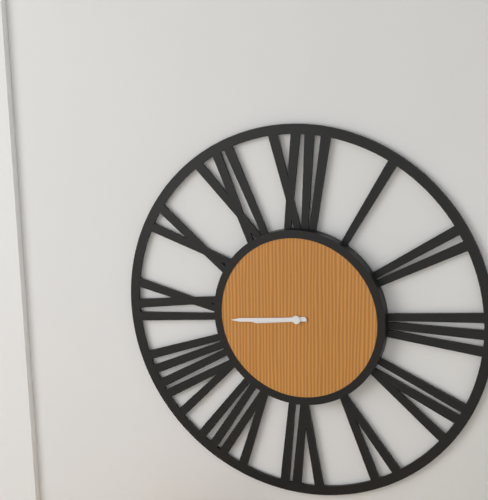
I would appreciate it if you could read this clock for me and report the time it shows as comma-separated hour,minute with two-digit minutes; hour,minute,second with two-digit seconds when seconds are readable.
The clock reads 8,44
